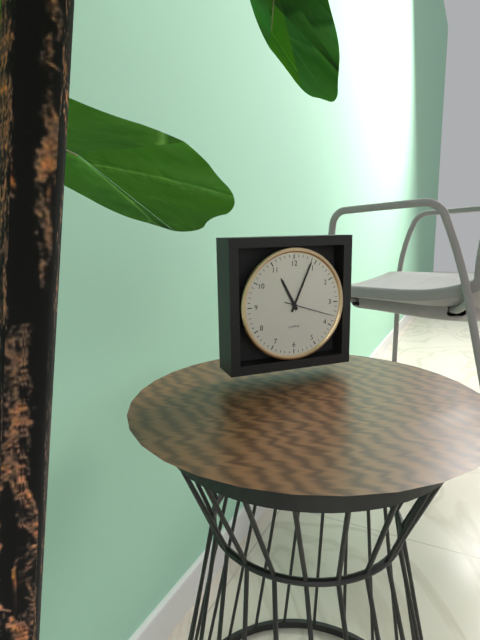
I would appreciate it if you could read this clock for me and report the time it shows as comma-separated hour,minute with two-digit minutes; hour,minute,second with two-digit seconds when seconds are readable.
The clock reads 11,04
